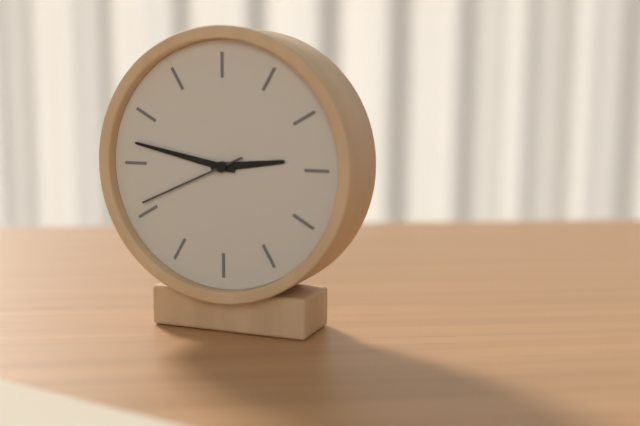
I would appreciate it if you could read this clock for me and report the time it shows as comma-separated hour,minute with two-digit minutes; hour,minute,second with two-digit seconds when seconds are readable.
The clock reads 2,47,41
